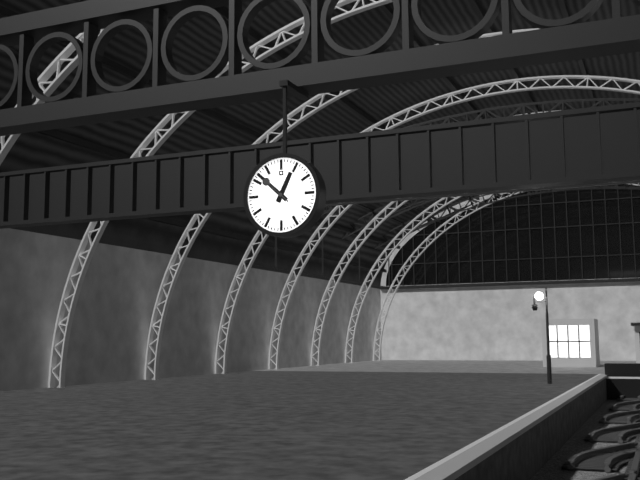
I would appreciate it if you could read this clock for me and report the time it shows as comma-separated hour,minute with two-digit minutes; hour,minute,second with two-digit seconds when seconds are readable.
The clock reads 12,52
